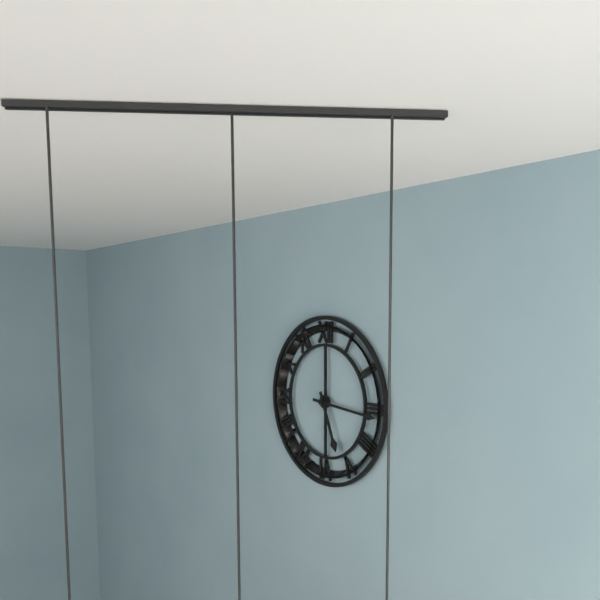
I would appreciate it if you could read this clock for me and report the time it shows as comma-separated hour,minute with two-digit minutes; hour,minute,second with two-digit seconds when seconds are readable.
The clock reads 5,16
